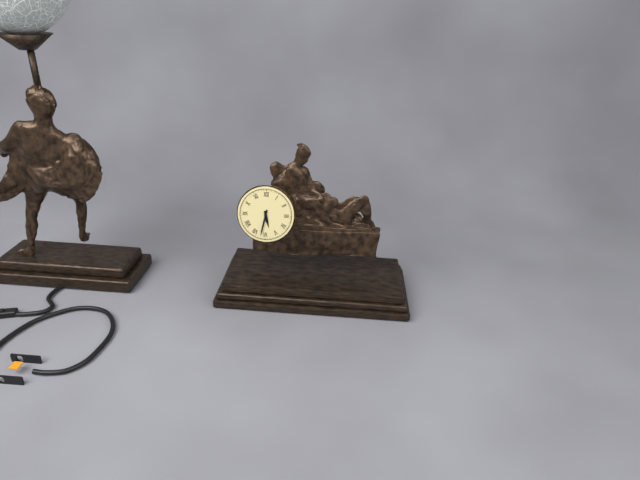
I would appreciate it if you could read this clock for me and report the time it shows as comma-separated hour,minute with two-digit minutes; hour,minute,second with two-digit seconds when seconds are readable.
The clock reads 5,32
